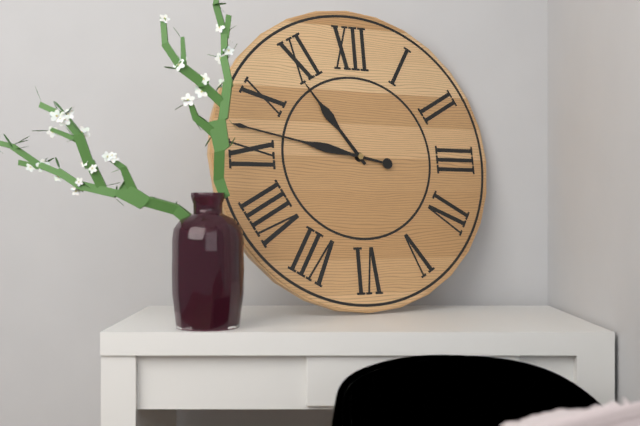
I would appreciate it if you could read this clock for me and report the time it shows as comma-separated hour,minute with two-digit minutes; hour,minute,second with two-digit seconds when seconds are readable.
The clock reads 10,47
